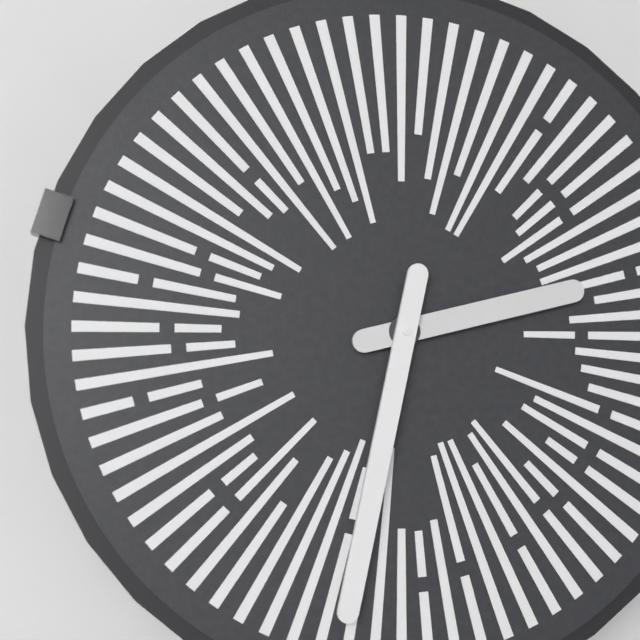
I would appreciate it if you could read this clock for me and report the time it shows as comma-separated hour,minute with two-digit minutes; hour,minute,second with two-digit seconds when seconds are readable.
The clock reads 2,32
